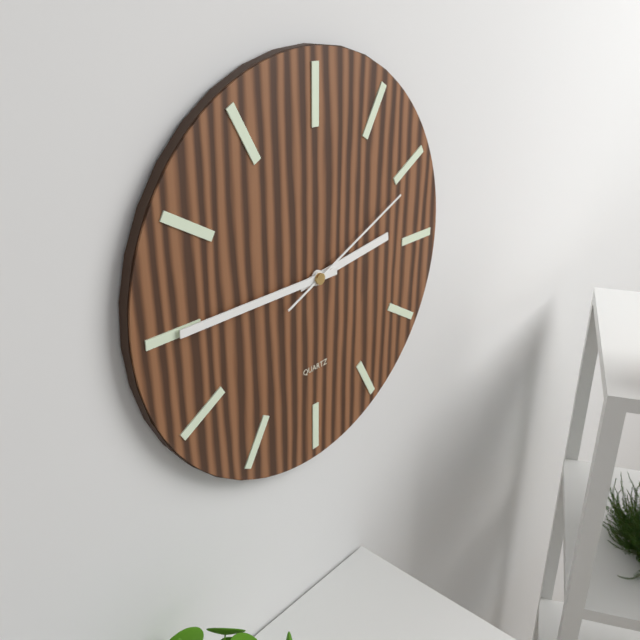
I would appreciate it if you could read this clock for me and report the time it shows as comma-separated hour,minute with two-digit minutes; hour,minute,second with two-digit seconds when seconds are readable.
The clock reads 2,45,11
